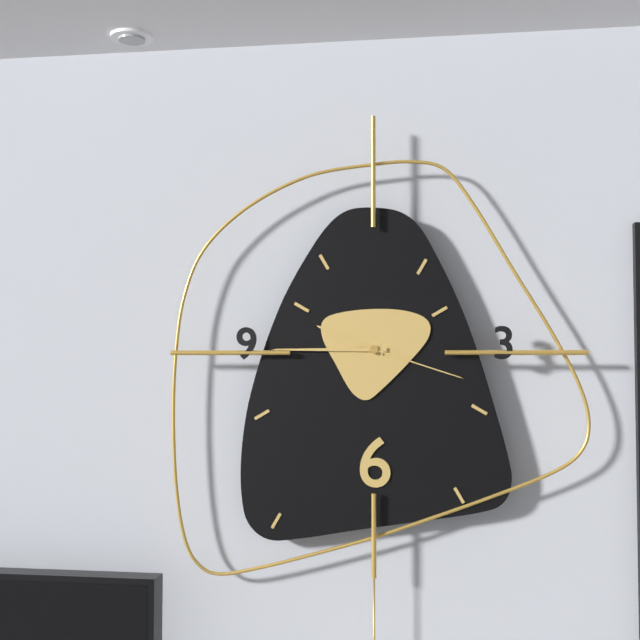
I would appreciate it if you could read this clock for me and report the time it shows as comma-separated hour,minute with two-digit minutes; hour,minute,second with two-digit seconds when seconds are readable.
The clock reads 9,45,18
